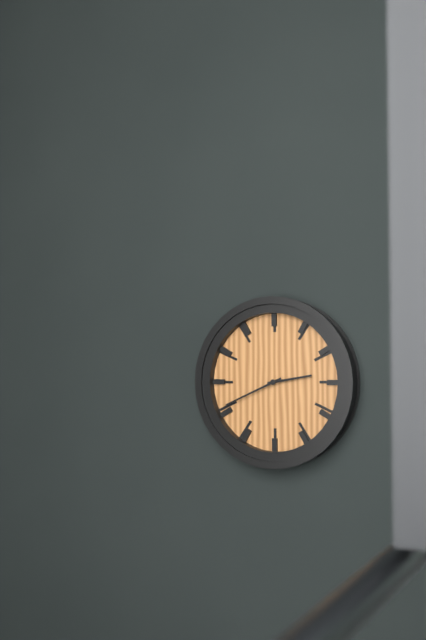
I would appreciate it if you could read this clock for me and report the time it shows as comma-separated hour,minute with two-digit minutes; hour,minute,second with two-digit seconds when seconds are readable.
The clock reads 2,41
